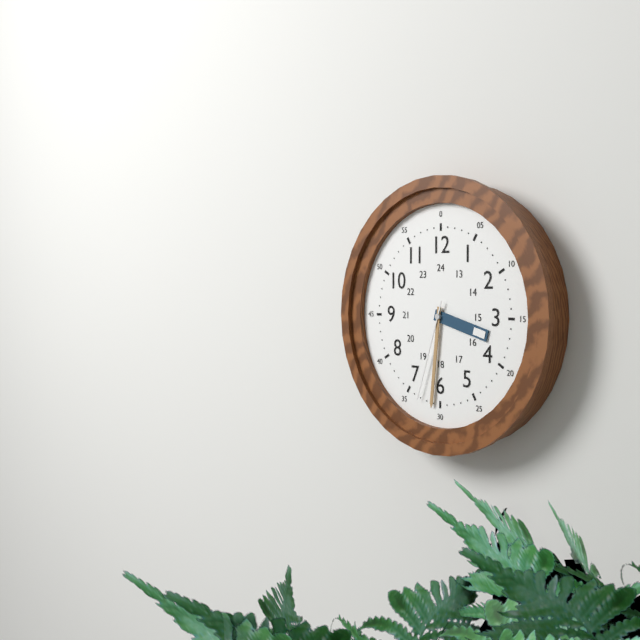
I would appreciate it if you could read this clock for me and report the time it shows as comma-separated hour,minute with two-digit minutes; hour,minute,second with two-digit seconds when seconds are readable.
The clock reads 3,31,33
